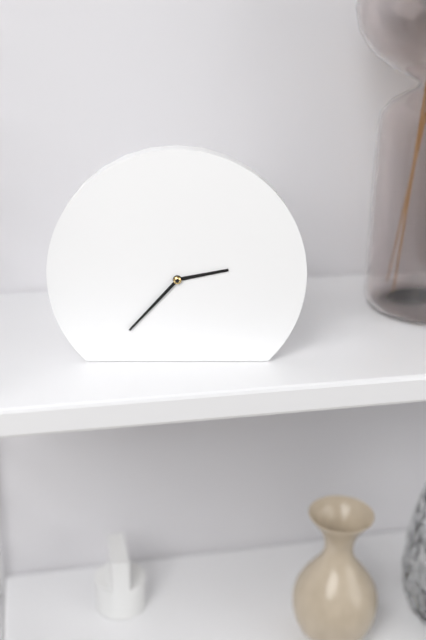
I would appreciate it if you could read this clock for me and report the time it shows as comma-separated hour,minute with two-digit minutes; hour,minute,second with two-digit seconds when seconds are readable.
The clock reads 2,37
